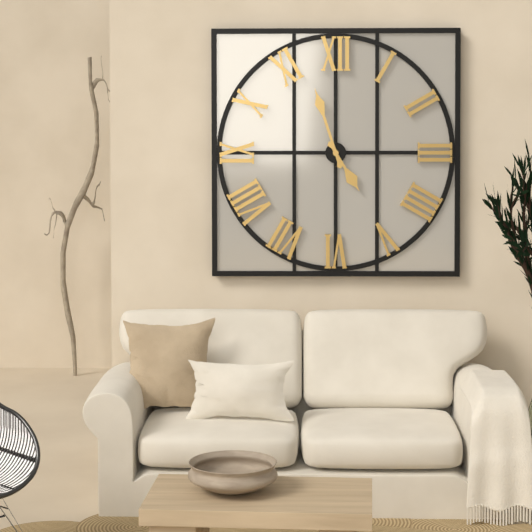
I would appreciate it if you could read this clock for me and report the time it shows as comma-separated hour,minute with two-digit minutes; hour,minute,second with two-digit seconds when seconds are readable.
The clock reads 4,57
